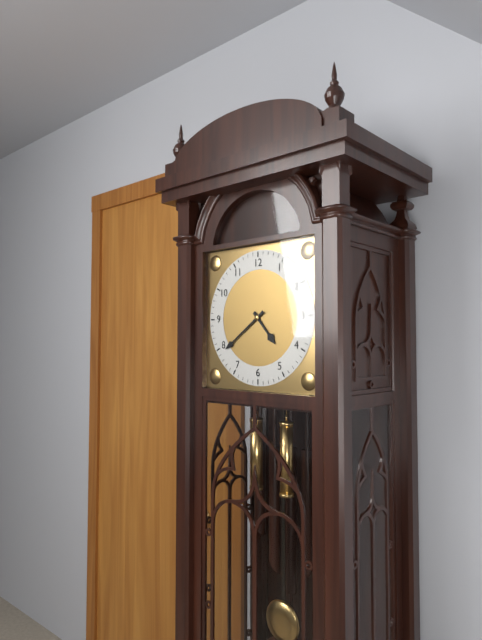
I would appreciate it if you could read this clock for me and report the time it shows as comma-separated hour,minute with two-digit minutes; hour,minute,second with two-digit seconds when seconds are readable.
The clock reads 4,39
